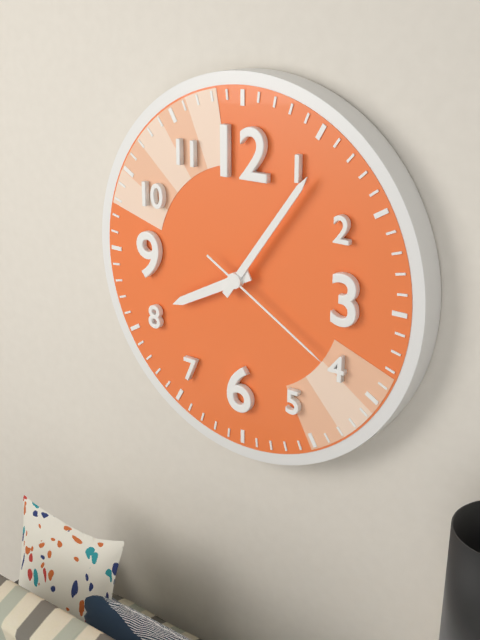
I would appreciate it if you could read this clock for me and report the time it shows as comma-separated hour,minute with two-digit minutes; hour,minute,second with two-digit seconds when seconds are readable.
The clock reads 8,06,20
